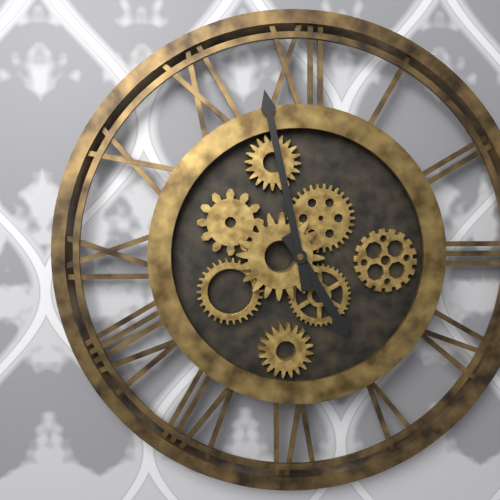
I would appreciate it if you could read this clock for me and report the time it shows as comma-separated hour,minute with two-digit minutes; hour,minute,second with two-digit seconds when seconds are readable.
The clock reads 4,58
